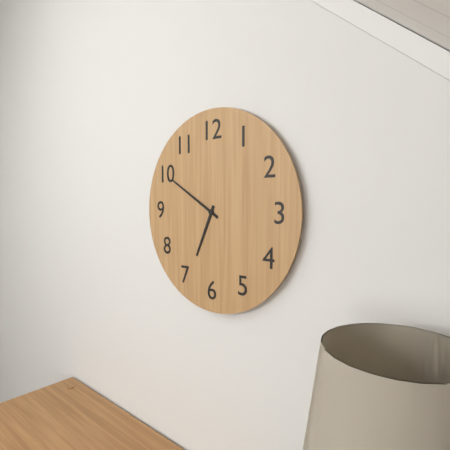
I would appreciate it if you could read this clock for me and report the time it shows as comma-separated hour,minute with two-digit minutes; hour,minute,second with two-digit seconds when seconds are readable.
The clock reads 6,50
